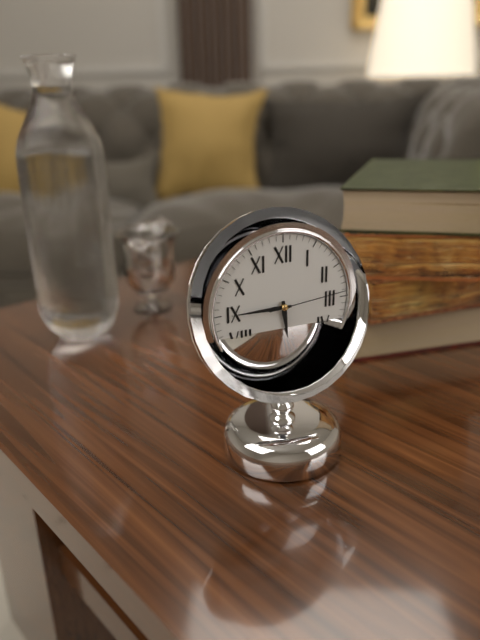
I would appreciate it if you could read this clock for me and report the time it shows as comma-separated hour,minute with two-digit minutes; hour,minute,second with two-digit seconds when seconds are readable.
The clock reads 5,45,14
